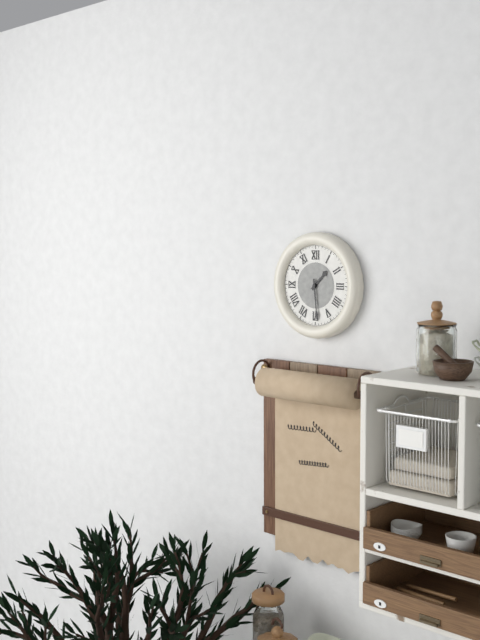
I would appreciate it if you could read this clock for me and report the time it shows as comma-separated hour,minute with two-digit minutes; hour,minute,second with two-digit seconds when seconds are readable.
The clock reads 1,29
